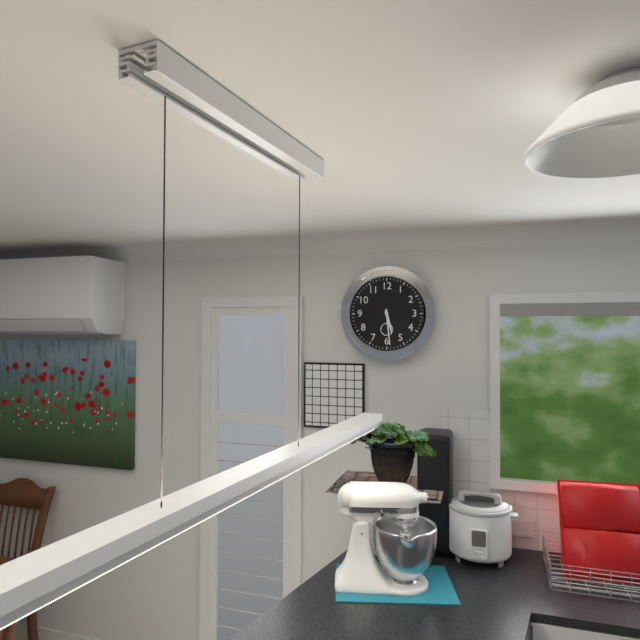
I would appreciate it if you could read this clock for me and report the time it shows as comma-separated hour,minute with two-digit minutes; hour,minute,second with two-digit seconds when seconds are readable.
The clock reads 5,29
